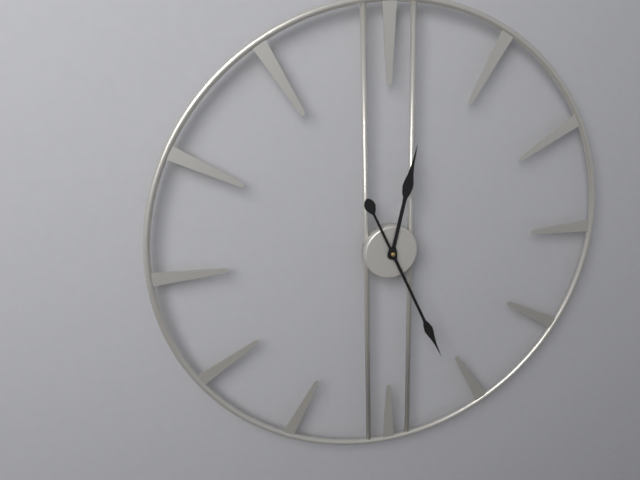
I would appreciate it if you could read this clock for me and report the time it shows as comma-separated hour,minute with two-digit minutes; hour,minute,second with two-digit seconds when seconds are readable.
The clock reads 12,26
